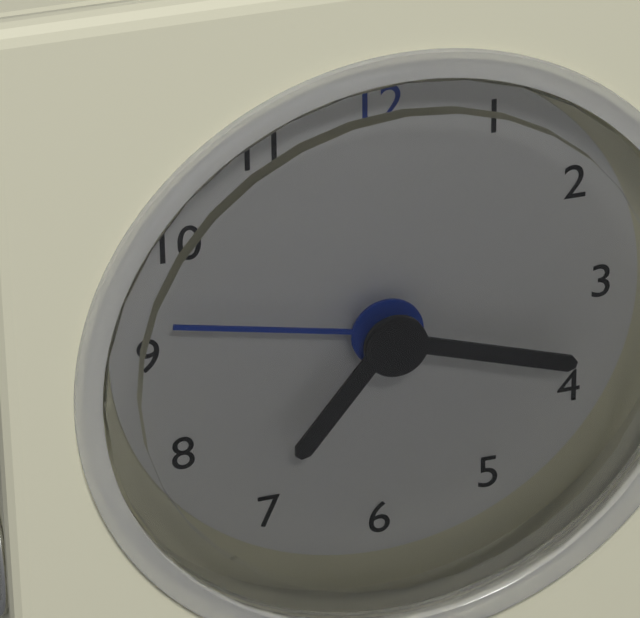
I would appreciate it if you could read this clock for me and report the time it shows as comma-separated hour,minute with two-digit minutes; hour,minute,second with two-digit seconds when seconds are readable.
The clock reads 7,18,47
